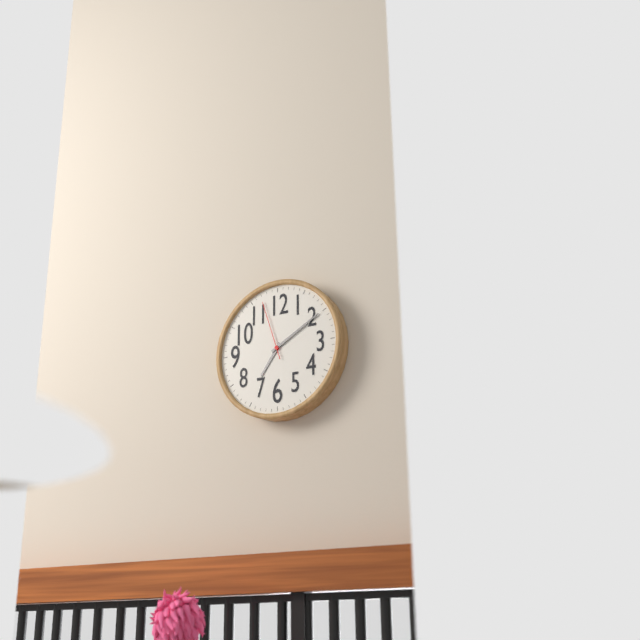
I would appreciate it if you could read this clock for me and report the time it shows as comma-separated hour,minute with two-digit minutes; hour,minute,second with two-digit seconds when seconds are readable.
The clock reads 7,10,57
